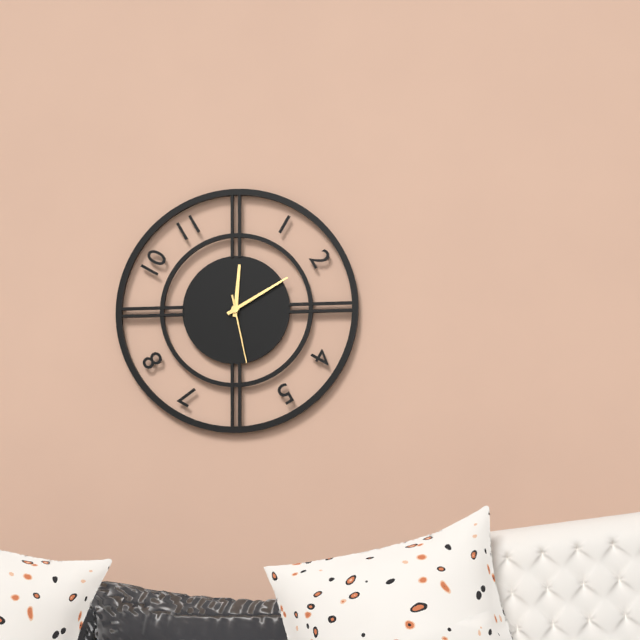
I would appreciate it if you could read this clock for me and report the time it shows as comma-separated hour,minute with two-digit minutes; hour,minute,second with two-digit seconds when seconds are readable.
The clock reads 12,10,28
